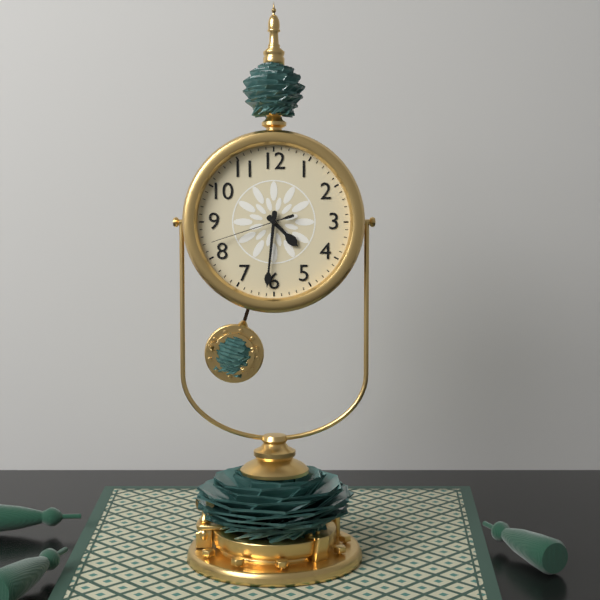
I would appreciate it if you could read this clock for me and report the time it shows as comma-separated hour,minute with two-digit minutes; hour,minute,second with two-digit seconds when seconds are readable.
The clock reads 4,31,42
